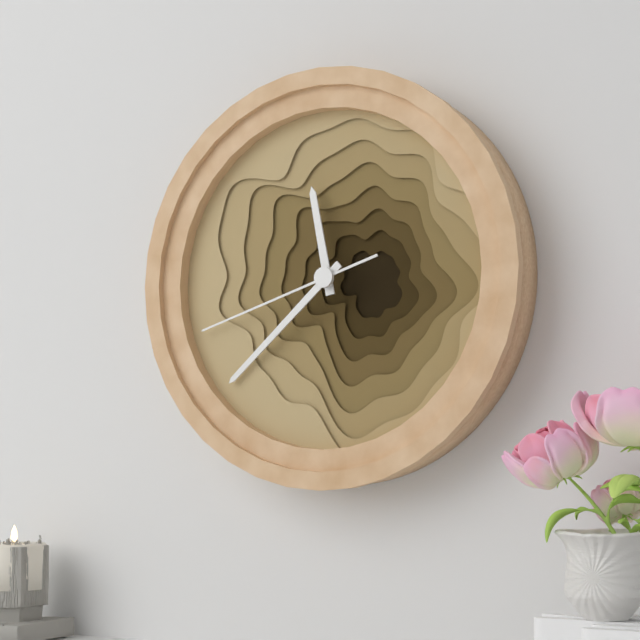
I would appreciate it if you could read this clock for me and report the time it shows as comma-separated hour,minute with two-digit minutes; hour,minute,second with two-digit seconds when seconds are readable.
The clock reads 11,38,42
